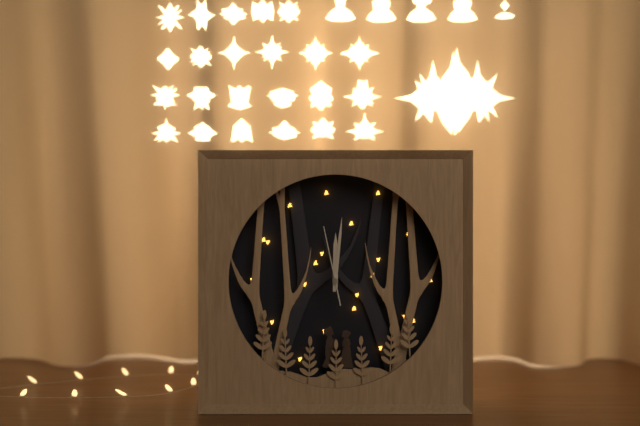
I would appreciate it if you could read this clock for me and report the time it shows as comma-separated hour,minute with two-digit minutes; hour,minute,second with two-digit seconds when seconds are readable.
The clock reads 12,01,58
